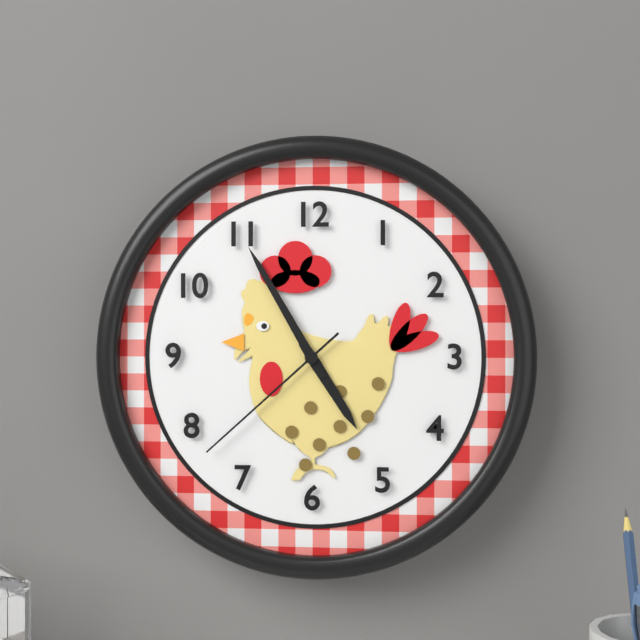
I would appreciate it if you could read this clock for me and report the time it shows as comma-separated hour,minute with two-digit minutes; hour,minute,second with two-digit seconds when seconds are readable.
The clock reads 4,55,38
